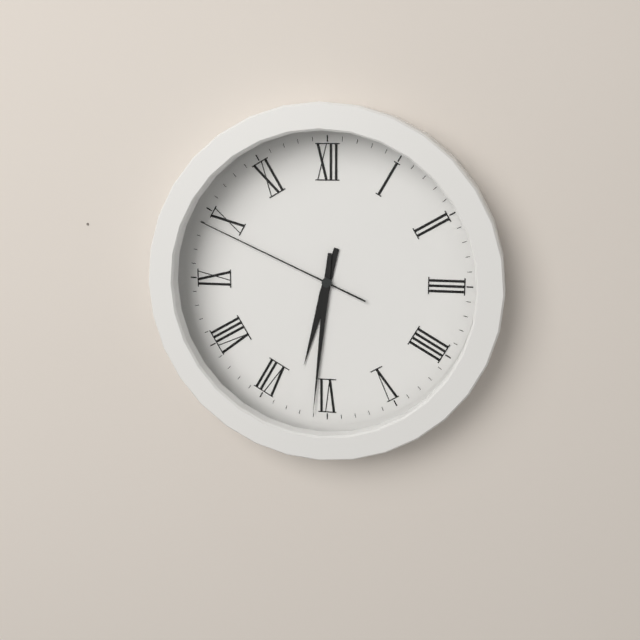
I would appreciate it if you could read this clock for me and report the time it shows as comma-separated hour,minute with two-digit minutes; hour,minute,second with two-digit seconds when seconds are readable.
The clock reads 6,31,49
